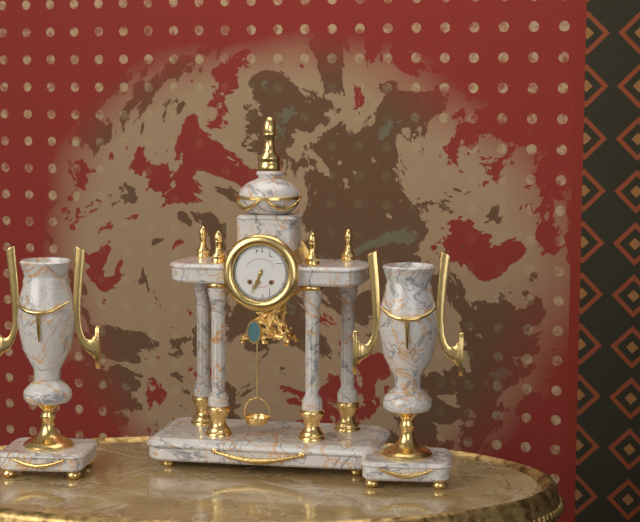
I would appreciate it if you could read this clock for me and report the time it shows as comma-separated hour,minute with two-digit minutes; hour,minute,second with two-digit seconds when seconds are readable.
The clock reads 6,34
